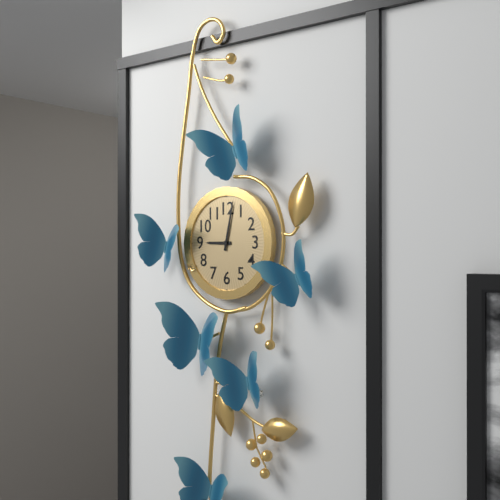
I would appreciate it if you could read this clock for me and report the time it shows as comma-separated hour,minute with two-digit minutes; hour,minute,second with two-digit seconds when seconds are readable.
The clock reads 9,02
